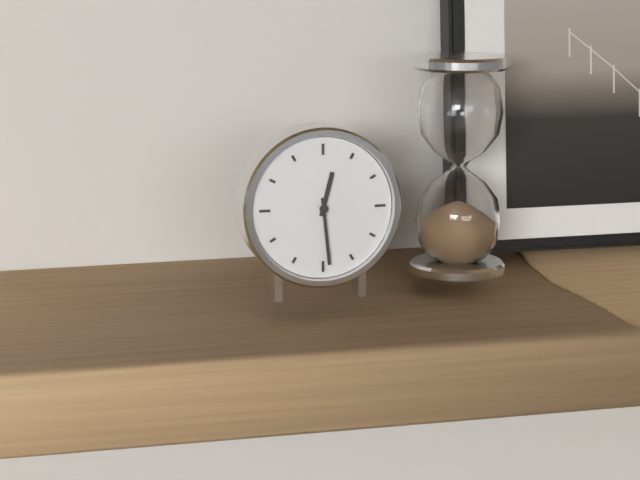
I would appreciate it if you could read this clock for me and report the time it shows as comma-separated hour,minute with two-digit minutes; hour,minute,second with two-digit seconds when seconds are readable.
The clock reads 12,29
